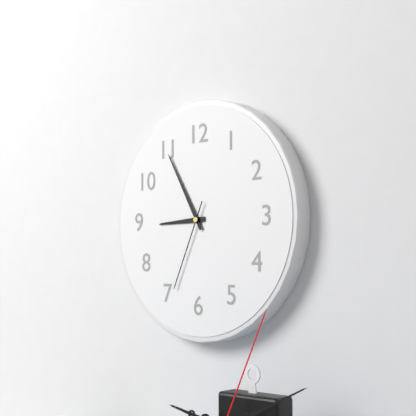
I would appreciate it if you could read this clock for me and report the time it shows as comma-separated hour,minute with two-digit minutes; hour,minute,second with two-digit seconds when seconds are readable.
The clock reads 8,55,34
